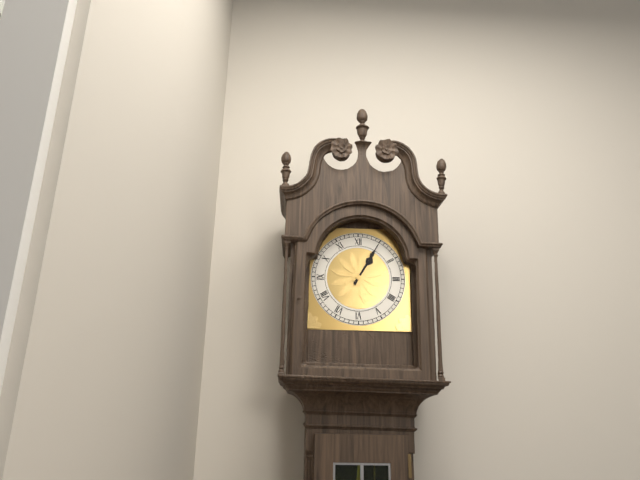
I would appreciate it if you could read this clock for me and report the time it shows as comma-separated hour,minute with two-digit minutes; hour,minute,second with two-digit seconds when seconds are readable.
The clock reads 1,05
